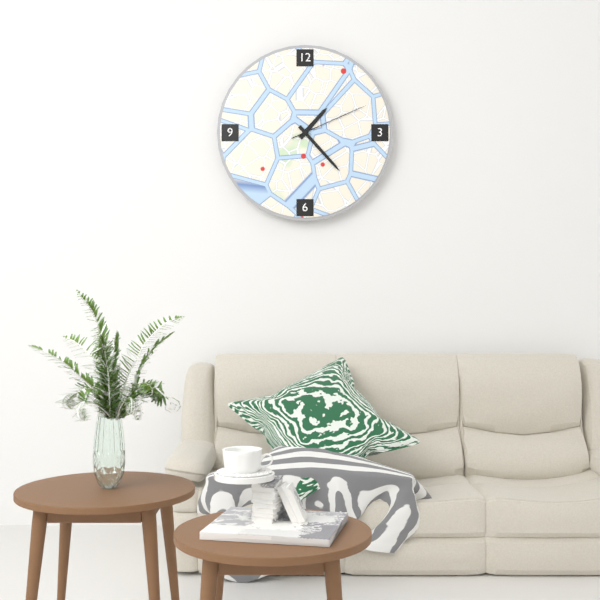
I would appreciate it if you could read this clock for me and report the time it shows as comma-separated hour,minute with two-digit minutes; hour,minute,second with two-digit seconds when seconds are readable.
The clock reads 1,23,11
